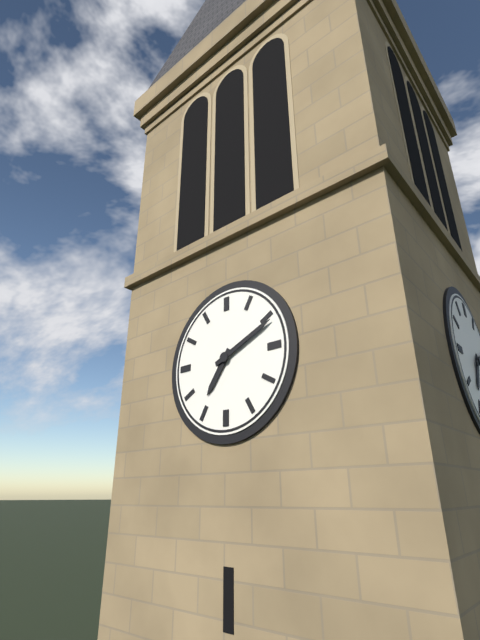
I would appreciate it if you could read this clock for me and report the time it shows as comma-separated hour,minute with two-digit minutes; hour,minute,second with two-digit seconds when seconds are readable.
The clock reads 7,11
